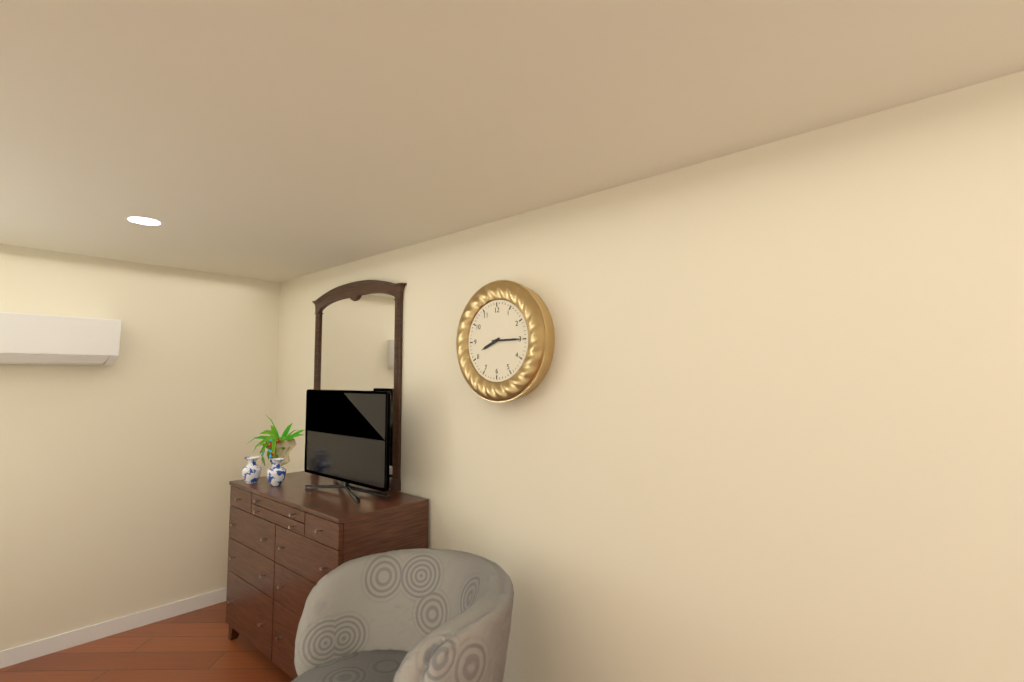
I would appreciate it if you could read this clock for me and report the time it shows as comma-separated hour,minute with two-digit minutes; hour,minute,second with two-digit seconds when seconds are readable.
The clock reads 8,15
